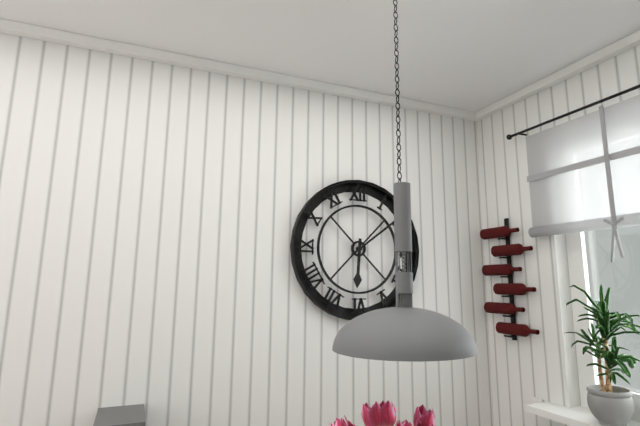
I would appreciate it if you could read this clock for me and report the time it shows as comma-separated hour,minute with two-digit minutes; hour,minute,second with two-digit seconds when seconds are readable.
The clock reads 6,09
